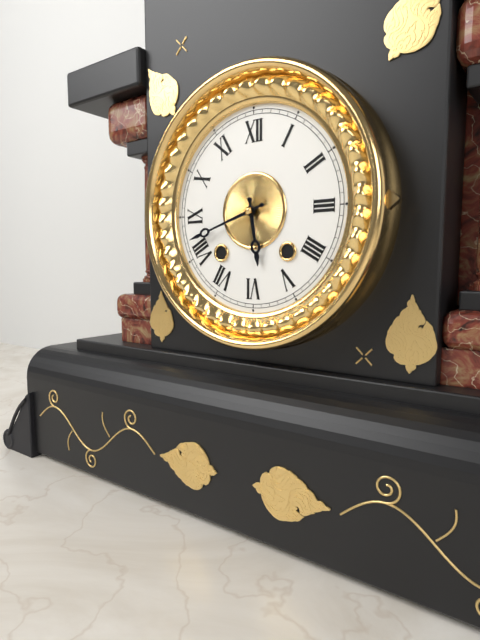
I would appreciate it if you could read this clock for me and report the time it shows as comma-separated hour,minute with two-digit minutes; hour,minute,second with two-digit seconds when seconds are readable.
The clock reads 5,42
